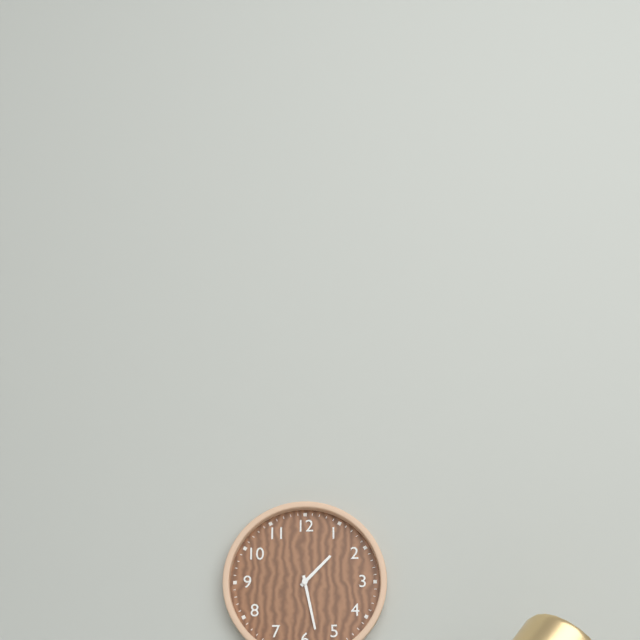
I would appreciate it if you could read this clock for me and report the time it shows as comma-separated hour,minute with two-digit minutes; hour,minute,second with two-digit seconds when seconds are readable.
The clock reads 1,28
